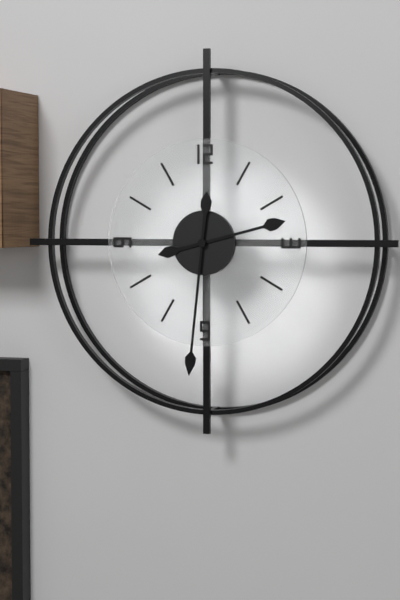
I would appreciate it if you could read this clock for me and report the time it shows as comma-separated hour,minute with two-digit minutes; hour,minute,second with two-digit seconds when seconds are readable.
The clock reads 2,31
